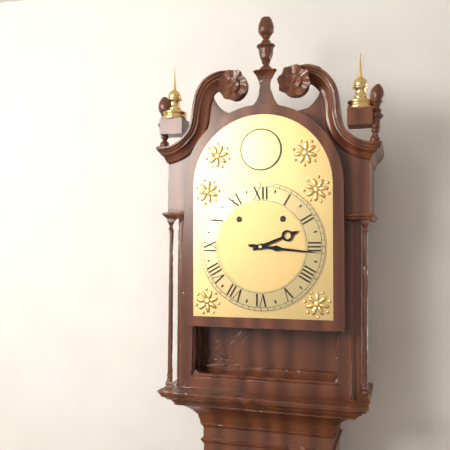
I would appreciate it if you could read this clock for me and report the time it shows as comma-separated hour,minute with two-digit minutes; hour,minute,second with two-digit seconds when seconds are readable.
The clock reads 2,16
